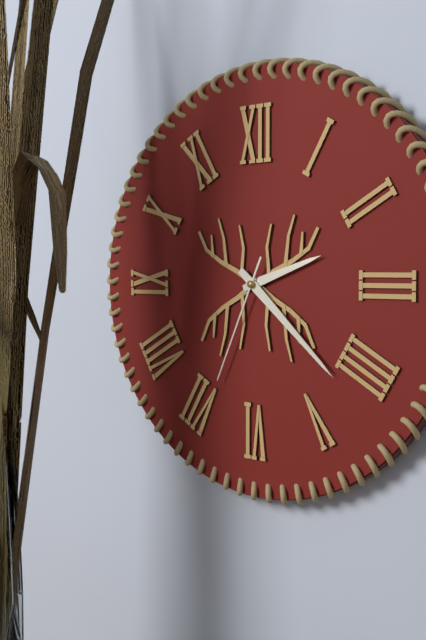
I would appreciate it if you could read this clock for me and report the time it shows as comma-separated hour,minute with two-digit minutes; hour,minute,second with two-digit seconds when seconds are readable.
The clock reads 2,22,34
